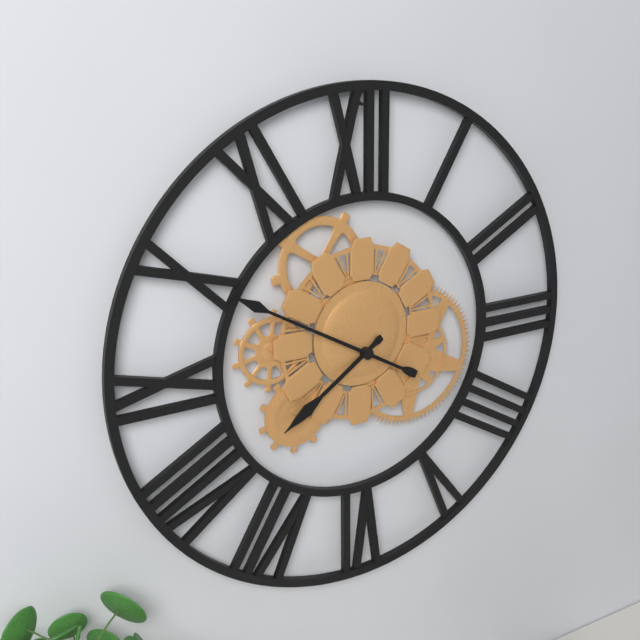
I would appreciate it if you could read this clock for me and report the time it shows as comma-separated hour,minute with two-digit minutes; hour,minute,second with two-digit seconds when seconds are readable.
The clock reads 7,50
